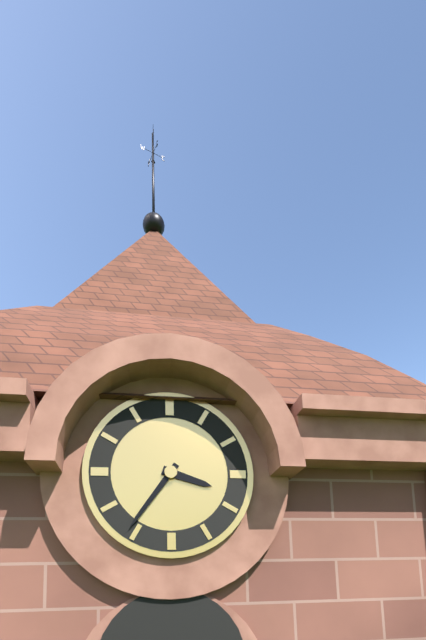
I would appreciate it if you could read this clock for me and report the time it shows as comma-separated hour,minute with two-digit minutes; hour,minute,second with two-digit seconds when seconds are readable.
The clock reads 3,36
